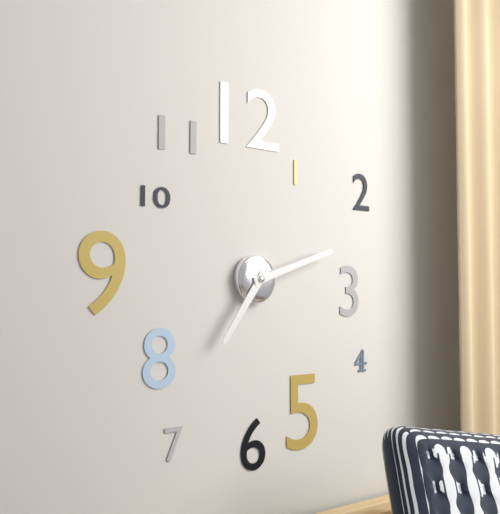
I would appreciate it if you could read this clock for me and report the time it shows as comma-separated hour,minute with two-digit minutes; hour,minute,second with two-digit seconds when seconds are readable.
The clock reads 7,12
